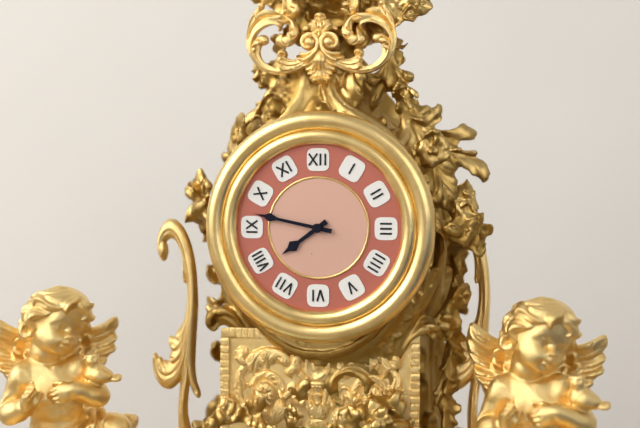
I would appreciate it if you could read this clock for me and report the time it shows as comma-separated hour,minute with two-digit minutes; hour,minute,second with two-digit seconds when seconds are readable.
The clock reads 7,47
